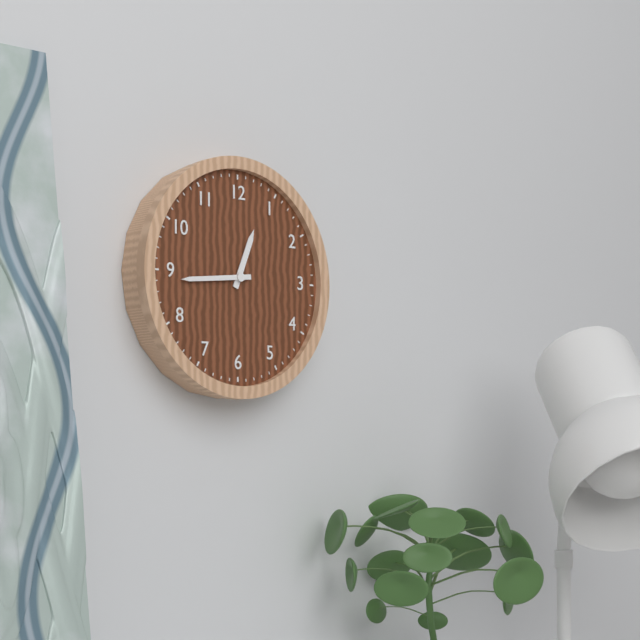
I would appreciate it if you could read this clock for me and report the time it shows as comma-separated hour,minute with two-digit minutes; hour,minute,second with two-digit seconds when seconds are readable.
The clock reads 12,44
